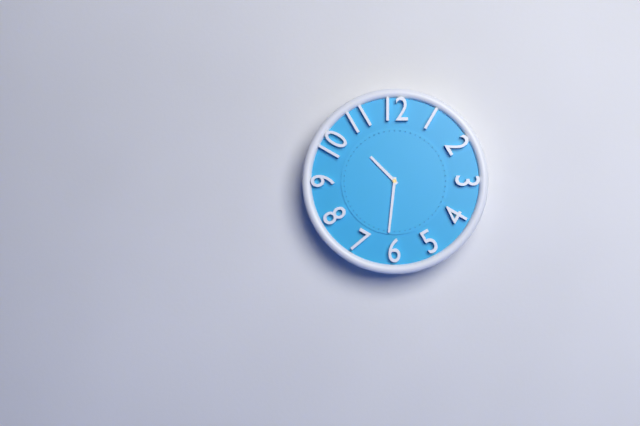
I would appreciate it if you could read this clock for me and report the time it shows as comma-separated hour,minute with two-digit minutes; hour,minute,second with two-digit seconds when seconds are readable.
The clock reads 10,31
